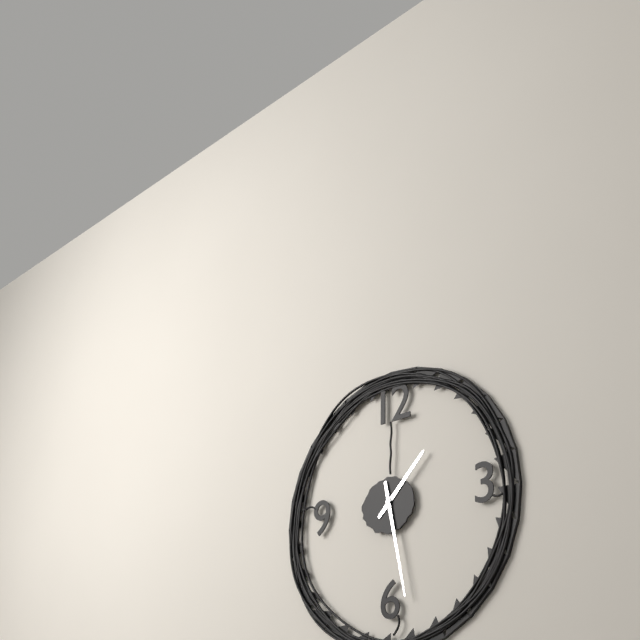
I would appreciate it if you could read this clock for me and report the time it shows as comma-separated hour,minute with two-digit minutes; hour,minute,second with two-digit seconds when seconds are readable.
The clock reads 1,28
